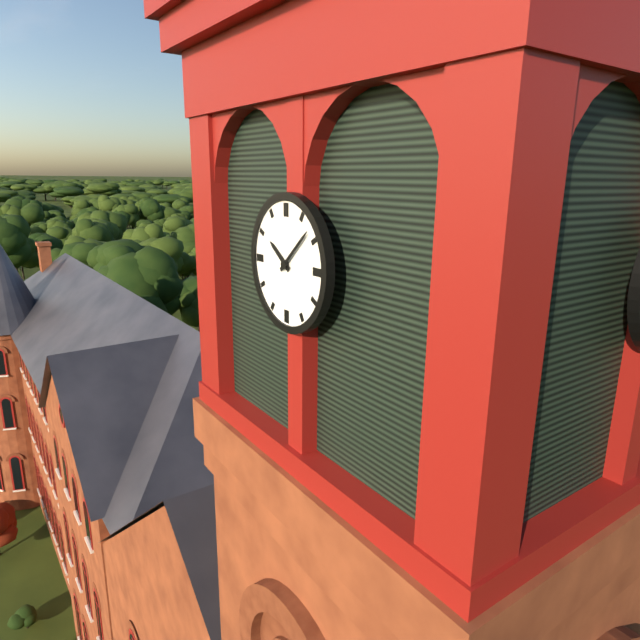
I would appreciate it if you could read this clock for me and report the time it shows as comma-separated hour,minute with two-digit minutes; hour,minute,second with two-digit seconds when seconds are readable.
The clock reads 10,08
